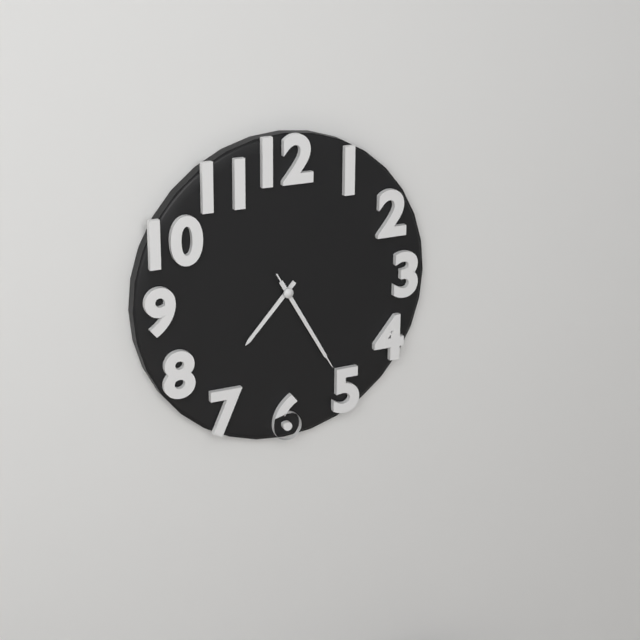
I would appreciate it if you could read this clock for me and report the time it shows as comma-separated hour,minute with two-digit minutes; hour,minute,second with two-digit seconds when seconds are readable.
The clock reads 7,25,25
